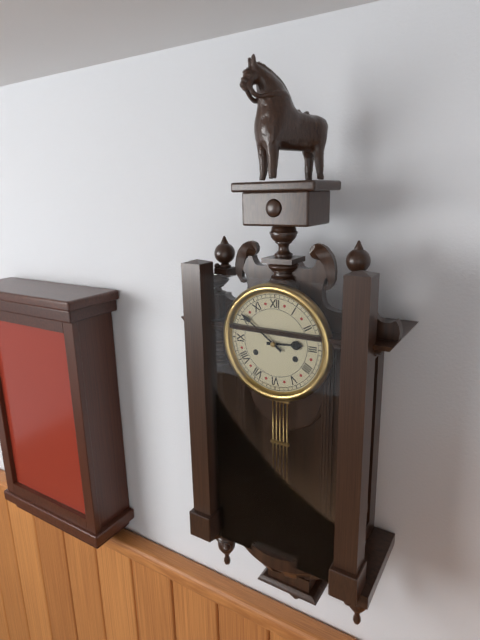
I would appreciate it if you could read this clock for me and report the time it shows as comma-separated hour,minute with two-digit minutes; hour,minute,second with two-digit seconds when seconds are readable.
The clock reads 2,51
